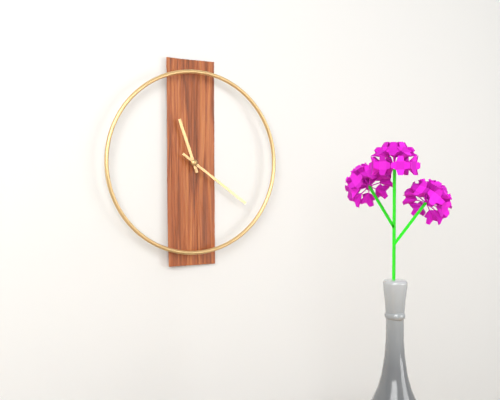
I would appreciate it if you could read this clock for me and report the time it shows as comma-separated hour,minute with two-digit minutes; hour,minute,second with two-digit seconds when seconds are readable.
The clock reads 11,21
